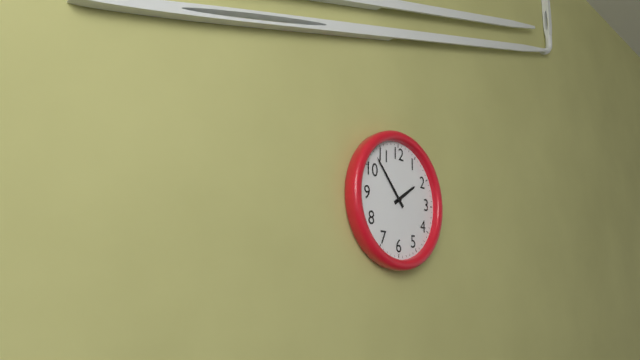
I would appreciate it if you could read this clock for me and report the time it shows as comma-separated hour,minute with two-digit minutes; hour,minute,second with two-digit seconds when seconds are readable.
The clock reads 1,53
